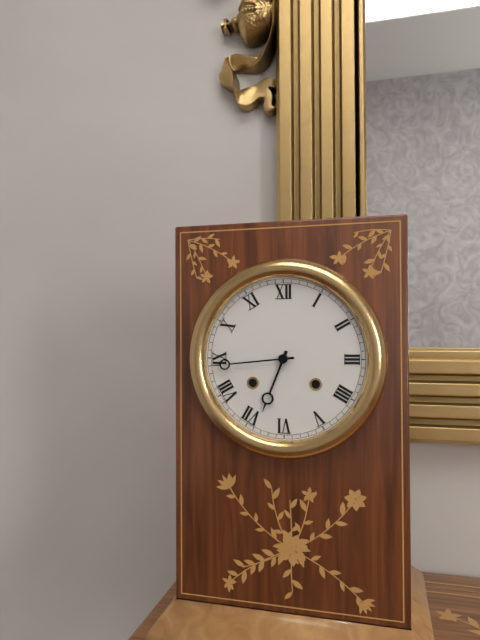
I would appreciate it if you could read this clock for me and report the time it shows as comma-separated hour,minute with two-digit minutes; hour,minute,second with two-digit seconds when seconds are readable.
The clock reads 6,44
